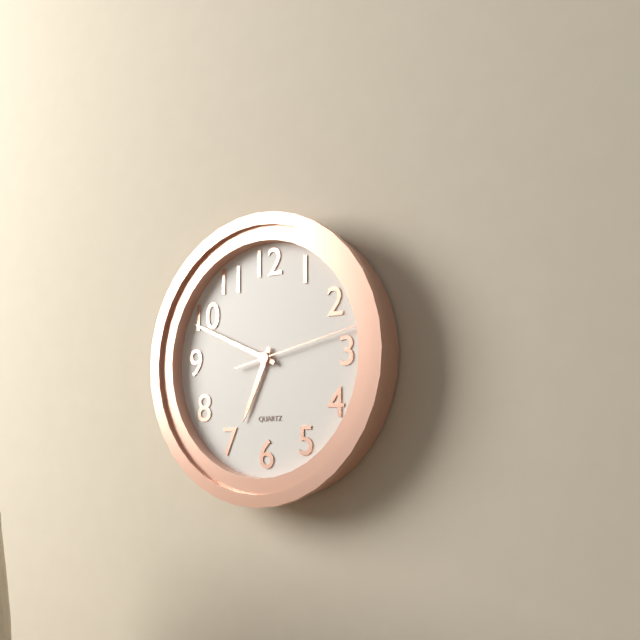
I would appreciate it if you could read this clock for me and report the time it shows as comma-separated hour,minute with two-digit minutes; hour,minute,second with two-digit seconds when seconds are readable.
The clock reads 6,49,13
